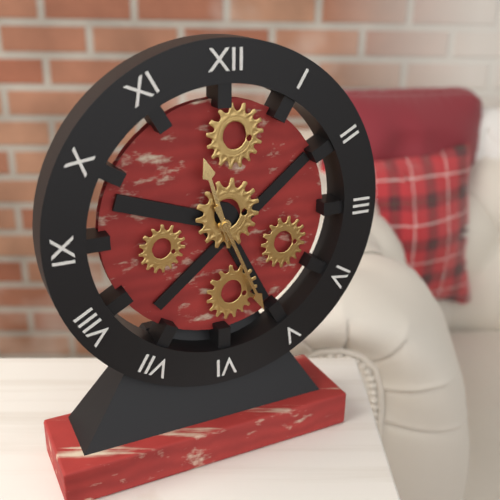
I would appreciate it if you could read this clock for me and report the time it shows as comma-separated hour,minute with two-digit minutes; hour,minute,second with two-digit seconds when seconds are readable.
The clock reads 11,26
